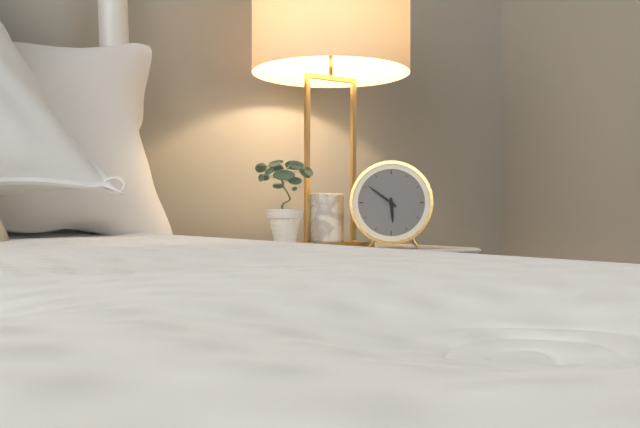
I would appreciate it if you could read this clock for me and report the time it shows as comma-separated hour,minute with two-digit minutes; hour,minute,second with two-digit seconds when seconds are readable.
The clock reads 5,51
